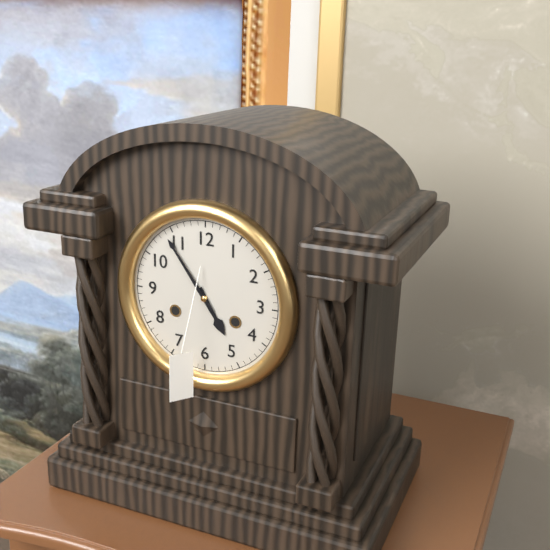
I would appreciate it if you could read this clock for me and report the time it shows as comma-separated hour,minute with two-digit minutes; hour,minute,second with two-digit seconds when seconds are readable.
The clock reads 4,54
